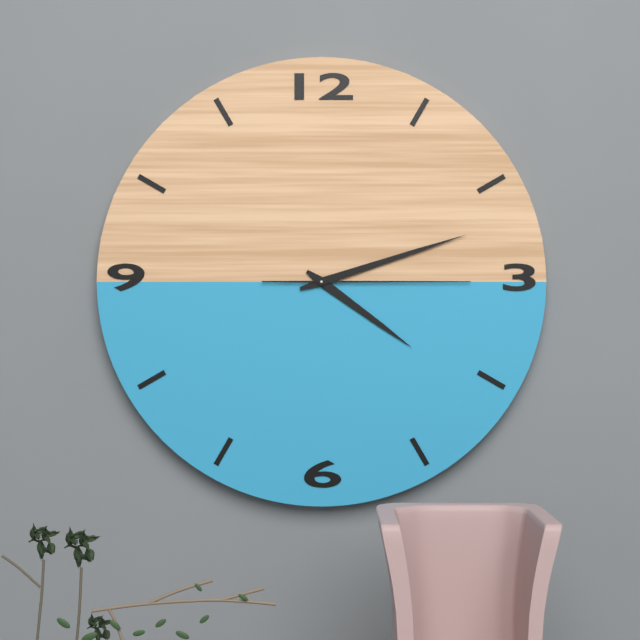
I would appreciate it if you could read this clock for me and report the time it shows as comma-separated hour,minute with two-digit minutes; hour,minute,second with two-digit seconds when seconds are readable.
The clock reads 4,12,15
